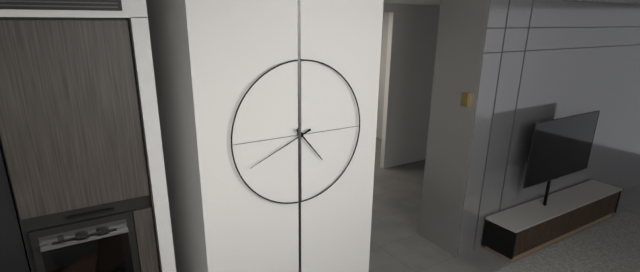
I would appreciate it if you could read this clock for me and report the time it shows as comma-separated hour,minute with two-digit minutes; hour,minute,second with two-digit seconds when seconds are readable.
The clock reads 4,41
